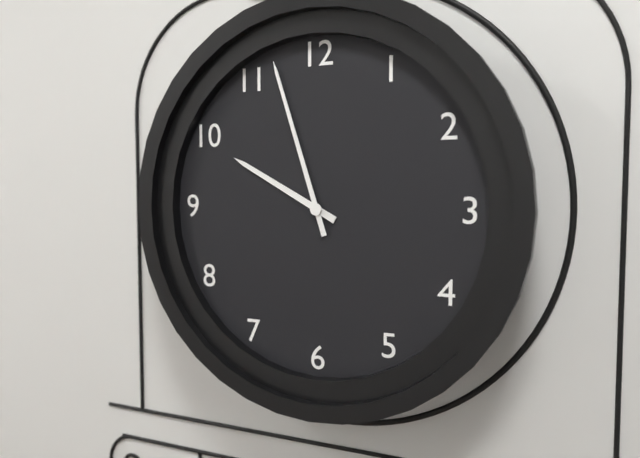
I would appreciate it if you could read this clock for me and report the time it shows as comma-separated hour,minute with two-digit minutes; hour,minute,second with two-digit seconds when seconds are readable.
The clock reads 9,57
